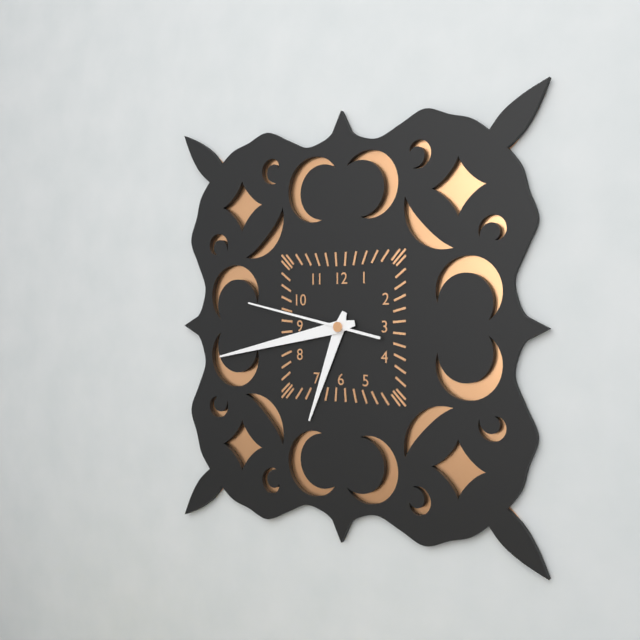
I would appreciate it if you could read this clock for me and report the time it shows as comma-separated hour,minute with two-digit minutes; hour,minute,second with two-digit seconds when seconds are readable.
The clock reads 6,43,47
